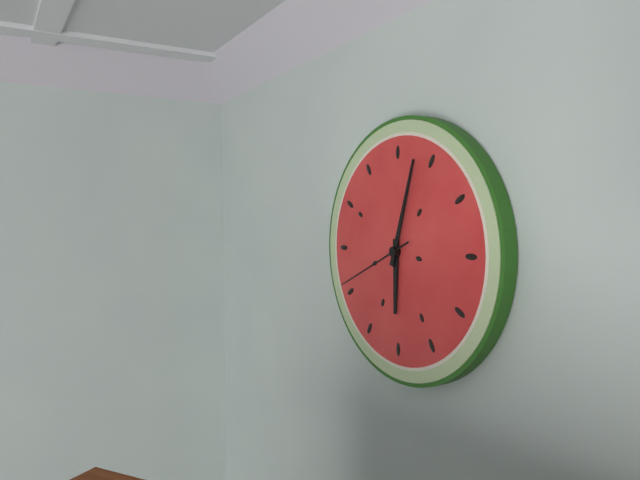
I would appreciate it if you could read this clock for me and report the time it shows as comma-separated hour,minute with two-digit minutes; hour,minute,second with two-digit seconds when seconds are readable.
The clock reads 6,03,41
